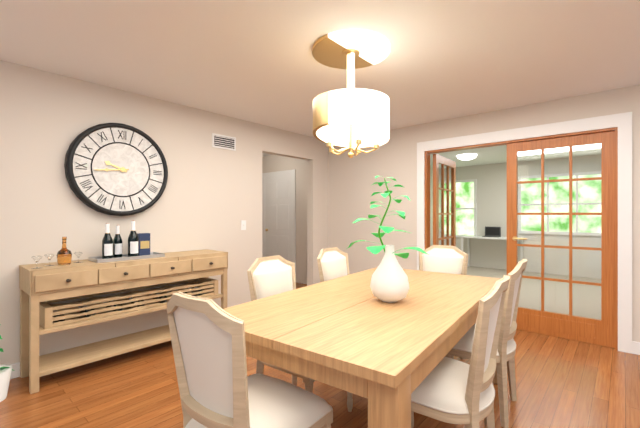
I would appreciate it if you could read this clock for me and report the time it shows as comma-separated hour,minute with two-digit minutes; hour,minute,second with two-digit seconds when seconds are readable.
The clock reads 9,44
